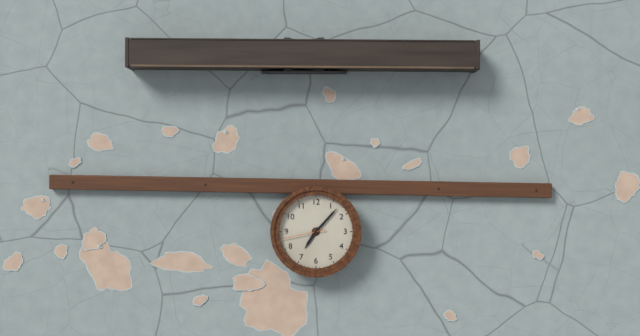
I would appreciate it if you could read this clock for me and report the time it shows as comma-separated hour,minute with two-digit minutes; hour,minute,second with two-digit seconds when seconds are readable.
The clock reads 7,07
